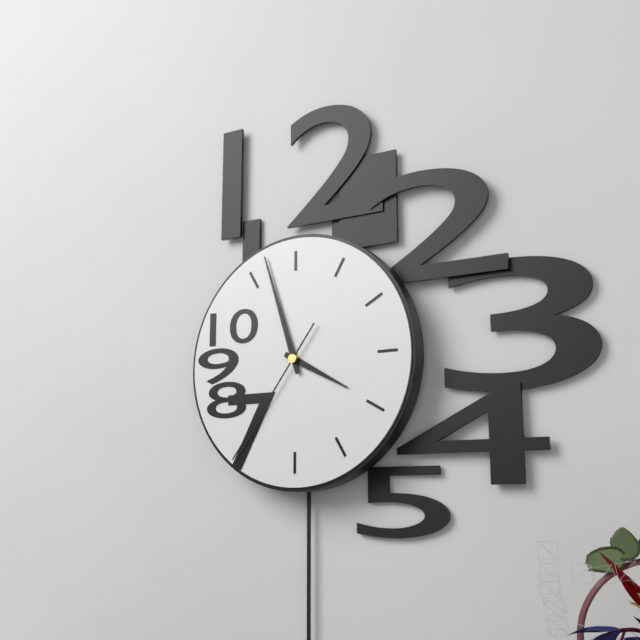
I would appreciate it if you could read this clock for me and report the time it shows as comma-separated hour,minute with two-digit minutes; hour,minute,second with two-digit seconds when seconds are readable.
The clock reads 3,57,36
